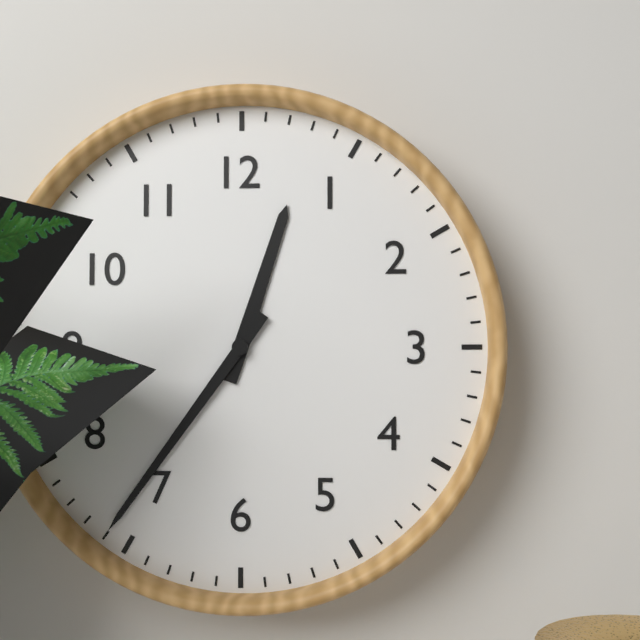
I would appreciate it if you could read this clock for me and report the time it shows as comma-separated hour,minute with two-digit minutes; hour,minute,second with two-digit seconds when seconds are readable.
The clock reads 12,36
